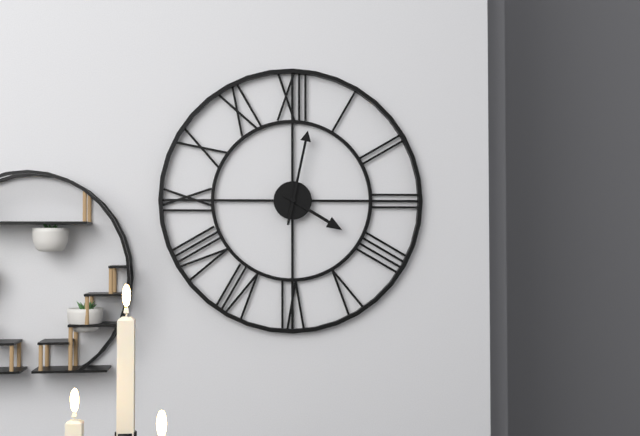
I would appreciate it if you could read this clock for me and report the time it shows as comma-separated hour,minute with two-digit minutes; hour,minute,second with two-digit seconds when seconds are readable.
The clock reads 4,02
